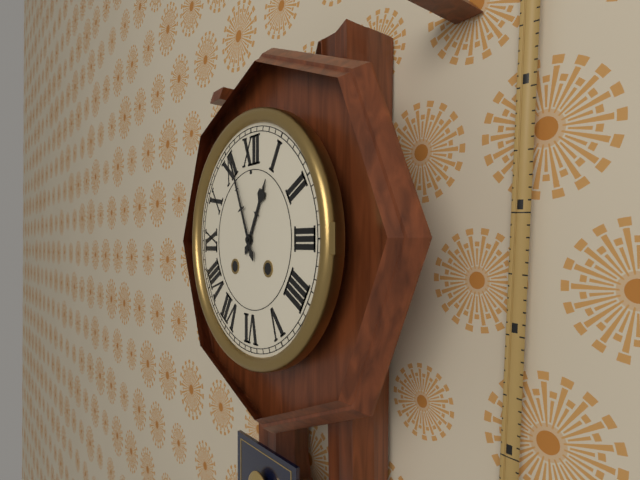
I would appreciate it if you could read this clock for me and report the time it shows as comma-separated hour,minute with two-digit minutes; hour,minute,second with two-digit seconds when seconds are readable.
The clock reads 12,56
